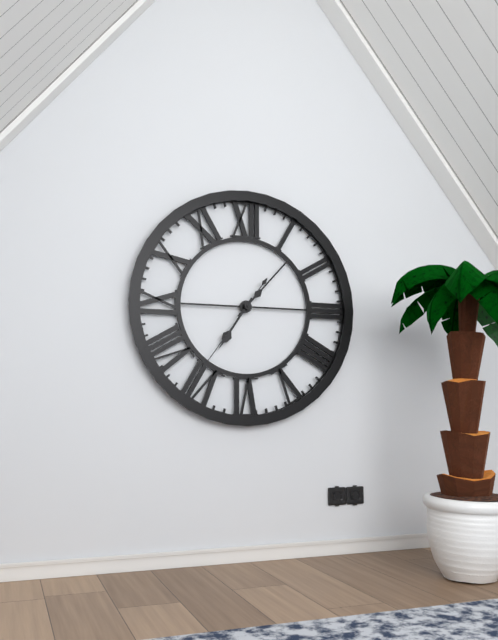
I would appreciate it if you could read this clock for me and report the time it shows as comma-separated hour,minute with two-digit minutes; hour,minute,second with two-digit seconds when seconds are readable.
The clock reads 7,07,36
